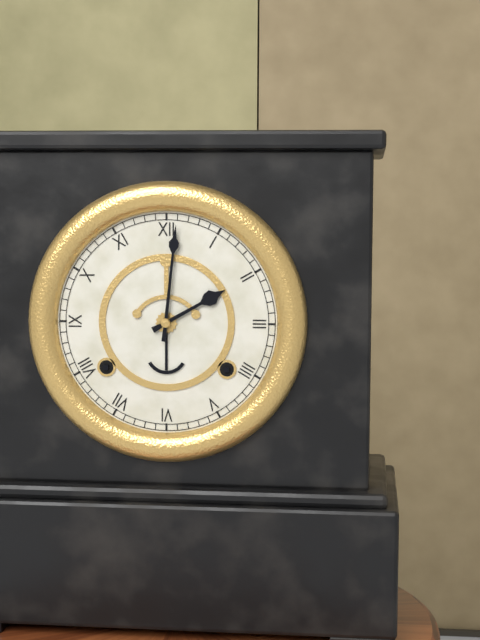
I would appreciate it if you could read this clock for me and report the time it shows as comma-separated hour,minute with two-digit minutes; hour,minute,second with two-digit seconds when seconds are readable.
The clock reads 2,01
